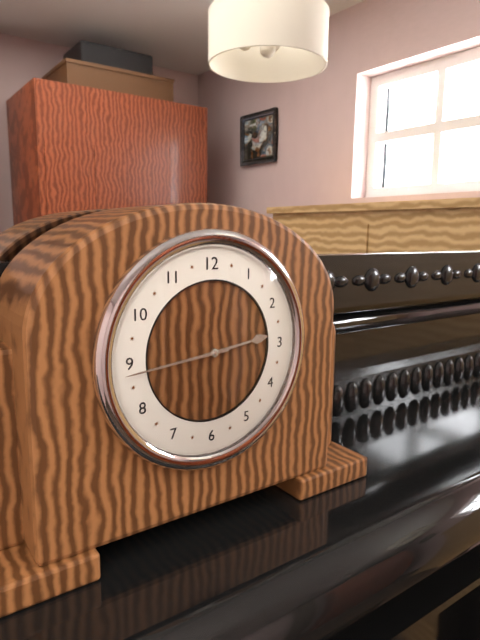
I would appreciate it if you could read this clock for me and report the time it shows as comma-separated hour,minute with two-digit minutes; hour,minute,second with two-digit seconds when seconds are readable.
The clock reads 2,44
